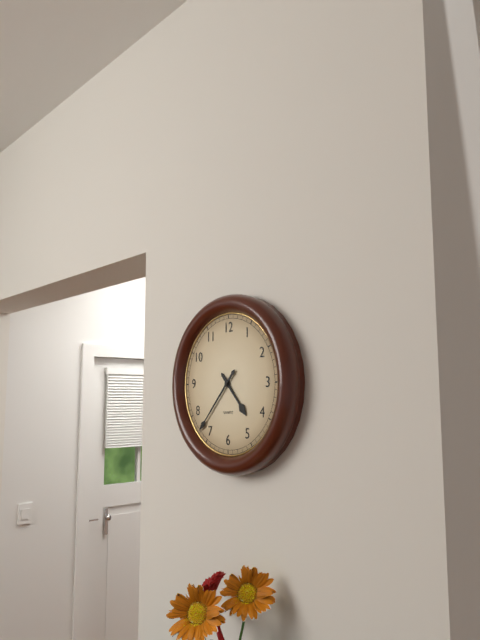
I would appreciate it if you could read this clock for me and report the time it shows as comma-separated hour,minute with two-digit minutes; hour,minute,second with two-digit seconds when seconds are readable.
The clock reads 4,37
